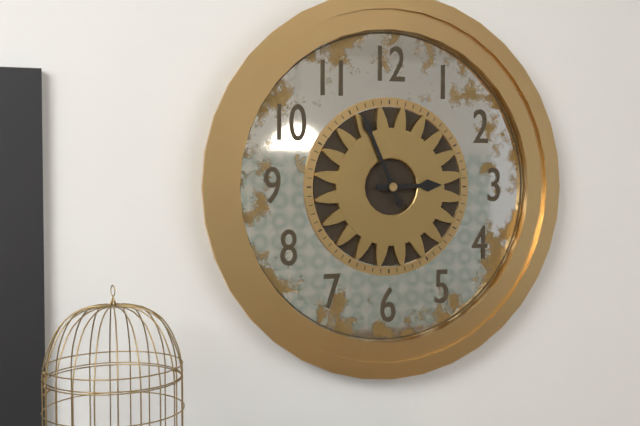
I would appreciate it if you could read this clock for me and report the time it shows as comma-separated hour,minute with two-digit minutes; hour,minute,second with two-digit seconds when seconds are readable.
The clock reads 2,56
